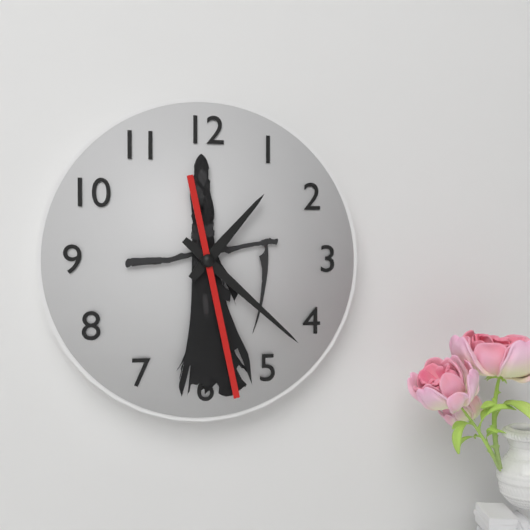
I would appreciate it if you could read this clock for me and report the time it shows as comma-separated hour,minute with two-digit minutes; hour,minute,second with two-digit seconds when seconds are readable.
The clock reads 1,22,28
